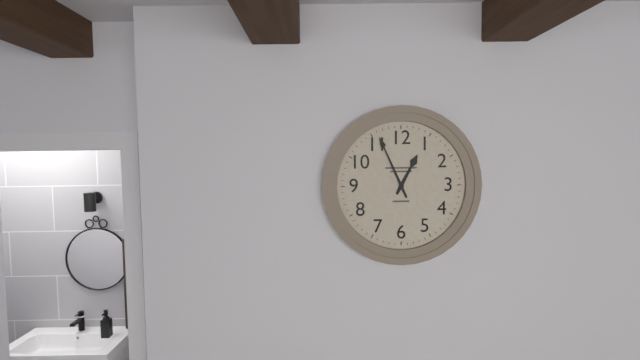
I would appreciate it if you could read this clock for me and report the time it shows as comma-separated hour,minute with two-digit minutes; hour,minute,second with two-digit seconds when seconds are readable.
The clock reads 12,56
